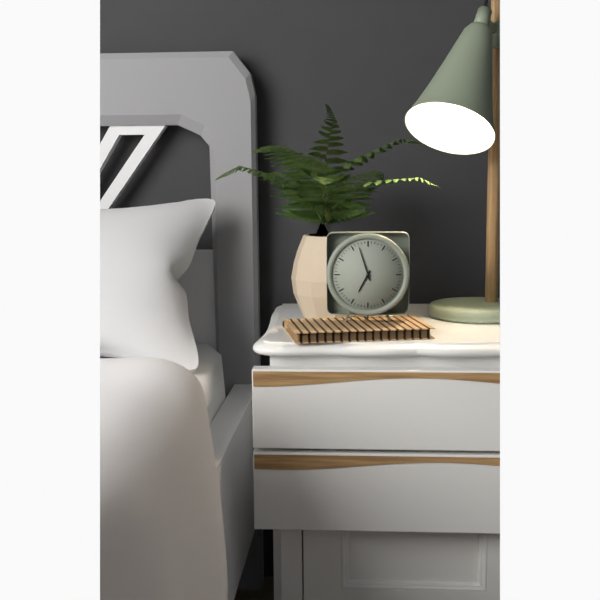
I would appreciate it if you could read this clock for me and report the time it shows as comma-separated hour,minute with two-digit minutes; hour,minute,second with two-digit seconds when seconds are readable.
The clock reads 6,57
